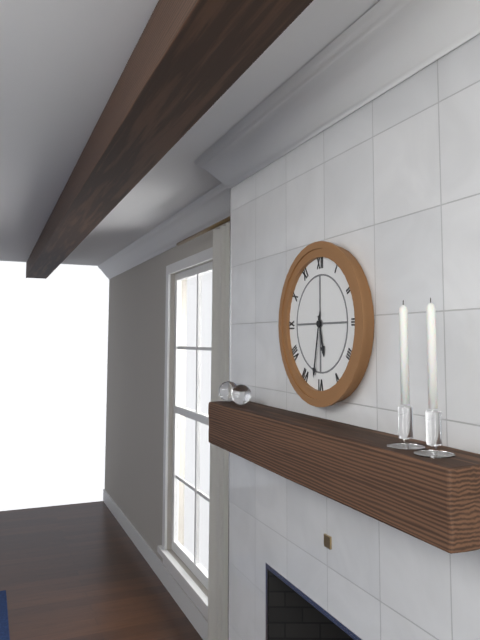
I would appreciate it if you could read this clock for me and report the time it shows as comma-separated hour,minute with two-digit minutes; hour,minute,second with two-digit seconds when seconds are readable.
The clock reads 5,32
